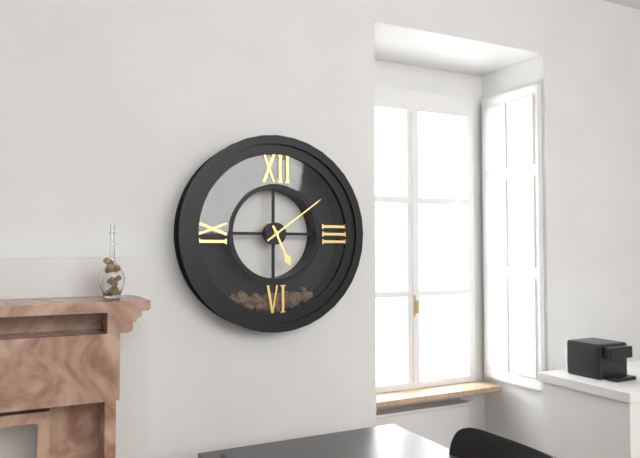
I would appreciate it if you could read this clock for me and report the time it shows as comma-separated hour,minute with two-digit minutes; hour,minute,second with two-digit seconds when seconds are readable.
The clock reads 5,09
